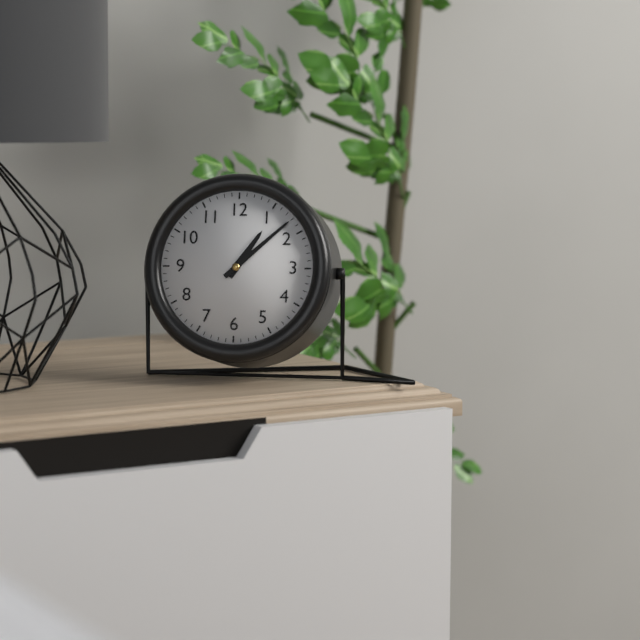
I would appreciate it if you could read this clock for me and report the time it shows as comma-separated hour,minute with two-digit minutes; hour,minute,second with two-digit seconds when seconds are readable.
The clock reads 1,08
